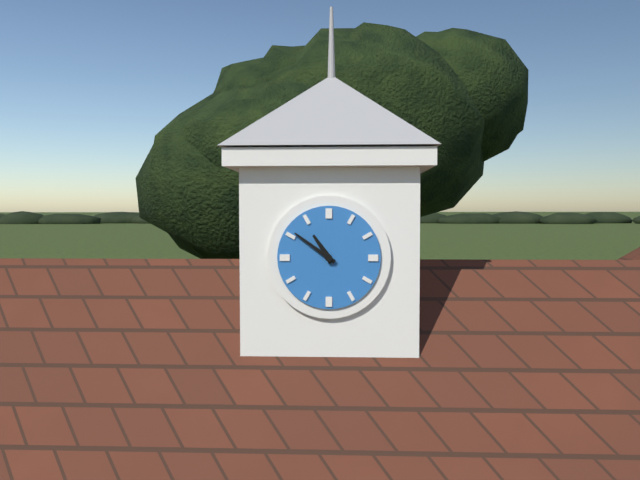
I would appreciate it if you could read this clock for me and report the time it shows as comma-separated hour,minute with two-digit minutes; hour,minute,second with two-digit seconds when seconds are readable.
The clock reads 10,51
